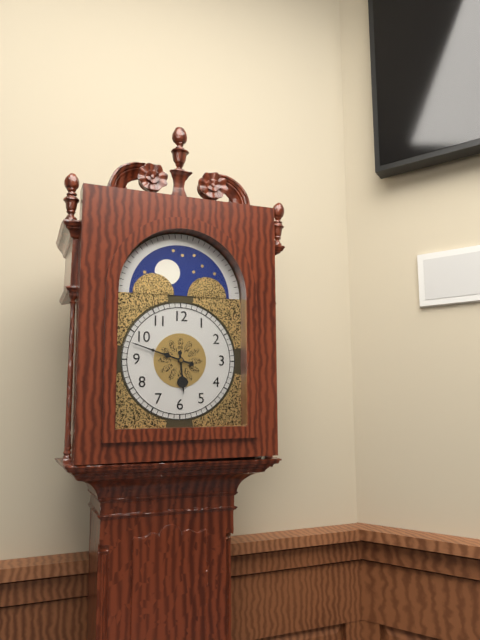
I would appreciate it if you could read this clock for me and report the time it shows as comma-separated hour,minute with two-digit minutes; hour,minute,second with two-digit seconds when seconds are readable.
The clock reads 5,48
